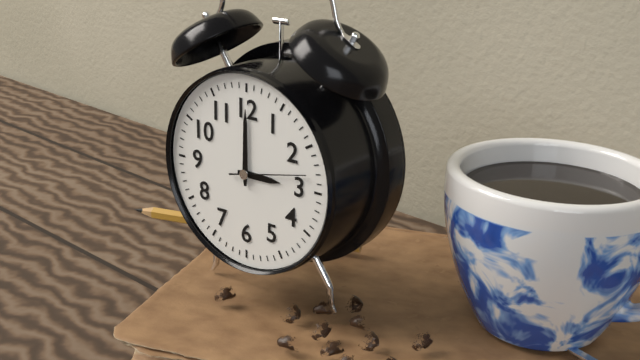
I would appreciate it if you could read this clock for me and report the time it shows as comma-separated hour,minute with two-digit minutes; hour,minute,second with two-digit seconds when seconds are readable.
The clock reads 3,00,13
